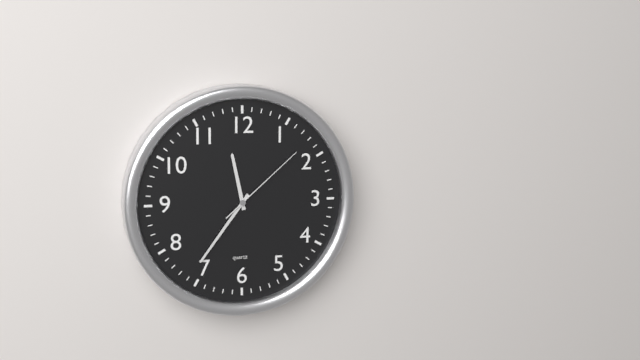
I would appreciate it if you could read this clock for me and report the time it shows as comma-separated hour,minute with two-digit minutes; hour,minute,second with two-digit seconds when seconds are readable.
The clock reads 11,36,08
